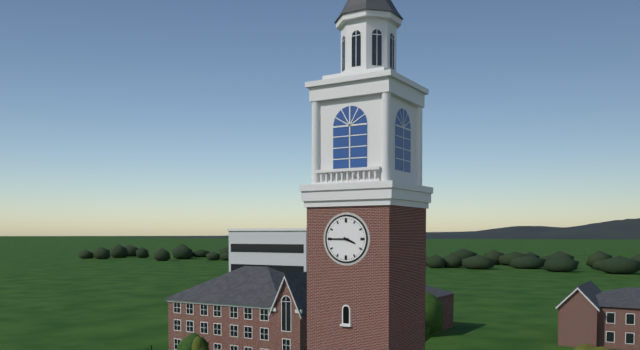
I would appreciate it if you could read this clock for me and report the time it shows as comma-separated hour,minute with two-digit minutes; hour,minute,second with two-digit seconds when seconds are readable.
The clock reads 3,45
